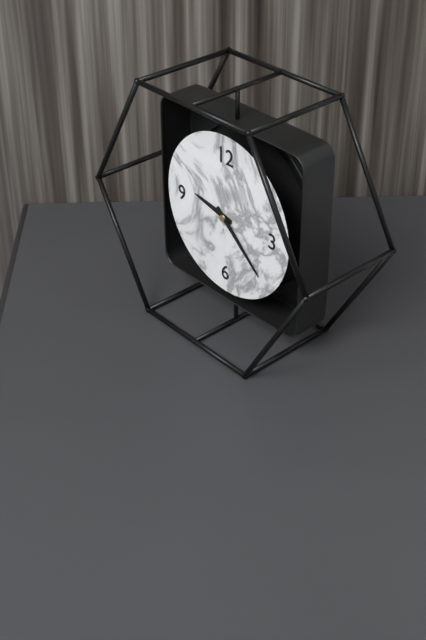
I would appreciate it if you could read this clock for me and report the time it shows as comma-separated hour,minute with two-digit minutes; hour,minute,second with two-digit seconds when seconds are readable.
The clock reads 9,22
